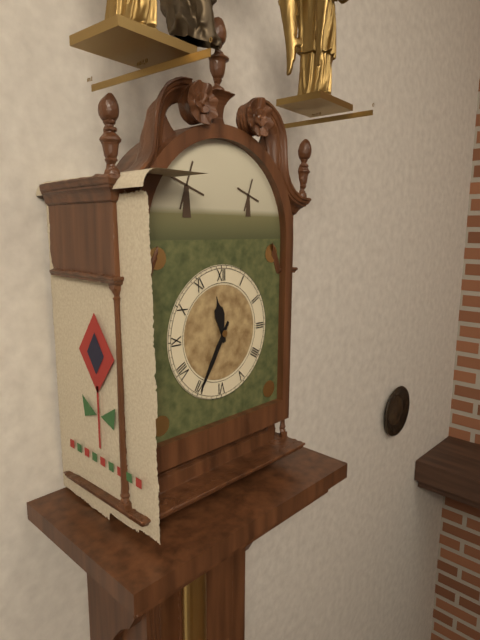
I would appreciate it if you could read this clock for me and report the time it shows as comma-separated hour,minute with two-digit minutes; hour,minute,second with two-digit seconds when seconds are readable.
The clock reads 11,35
